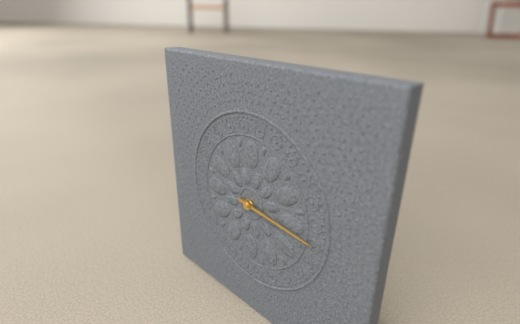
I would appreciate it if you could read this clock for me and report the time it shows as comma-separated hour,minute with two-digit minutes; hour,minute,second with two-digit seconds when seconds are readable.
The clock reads 3,16
